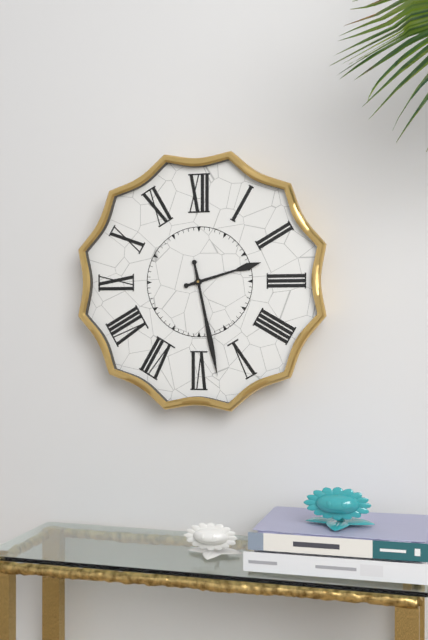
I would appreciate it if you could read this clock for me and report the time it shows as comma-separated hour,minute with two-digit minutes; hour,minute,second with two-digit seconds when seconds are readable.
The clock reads 2,28
